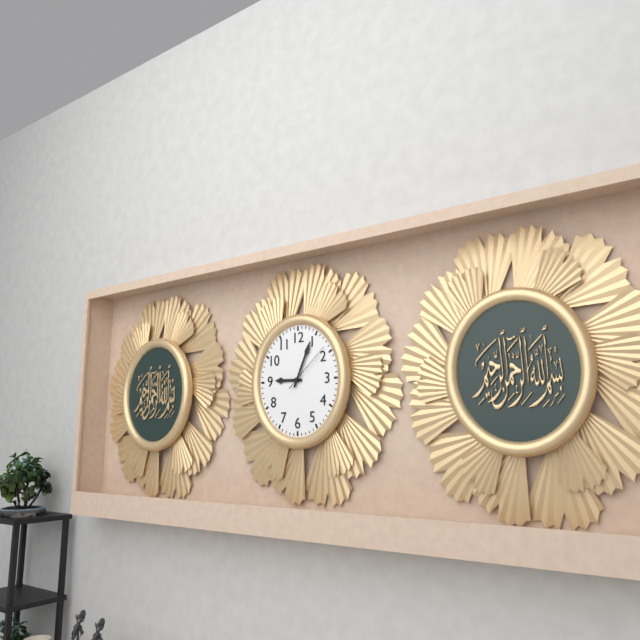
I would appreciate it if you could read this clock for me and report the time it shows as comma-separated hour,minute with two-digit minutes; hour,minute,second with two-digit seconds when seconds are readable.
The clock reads 9,04,08
